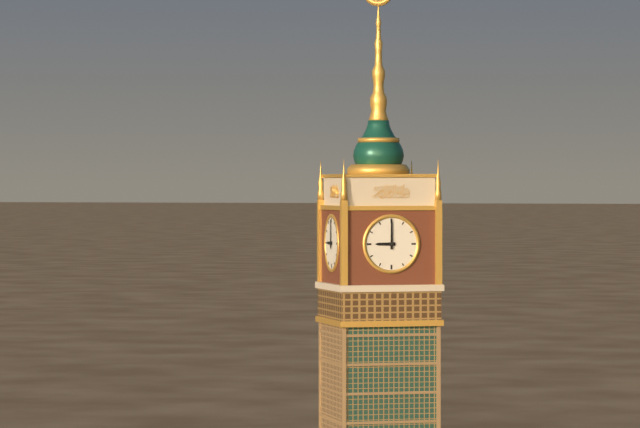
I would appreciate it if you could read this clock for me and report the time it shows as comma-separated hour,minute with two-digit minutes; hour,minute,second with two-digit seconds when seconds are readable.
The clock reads 9,00
